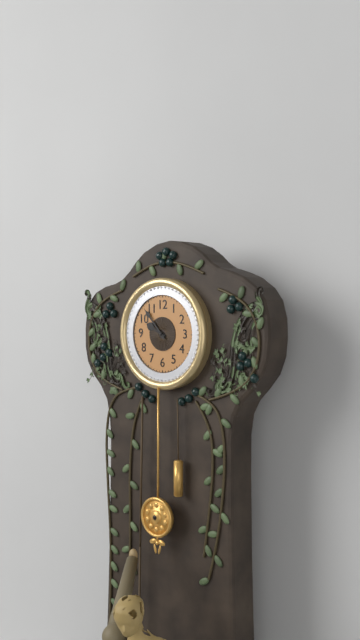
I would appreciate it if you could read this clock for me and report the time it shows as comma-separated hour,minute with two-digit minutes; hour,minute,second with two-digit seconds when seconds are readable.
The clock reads 9,53
